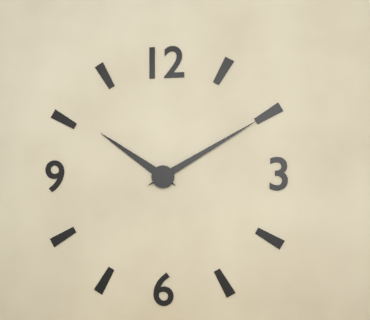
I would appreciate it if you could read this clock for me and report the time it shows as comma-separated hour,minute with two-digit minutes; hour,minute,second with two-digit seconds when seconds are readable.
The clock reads 10,10
